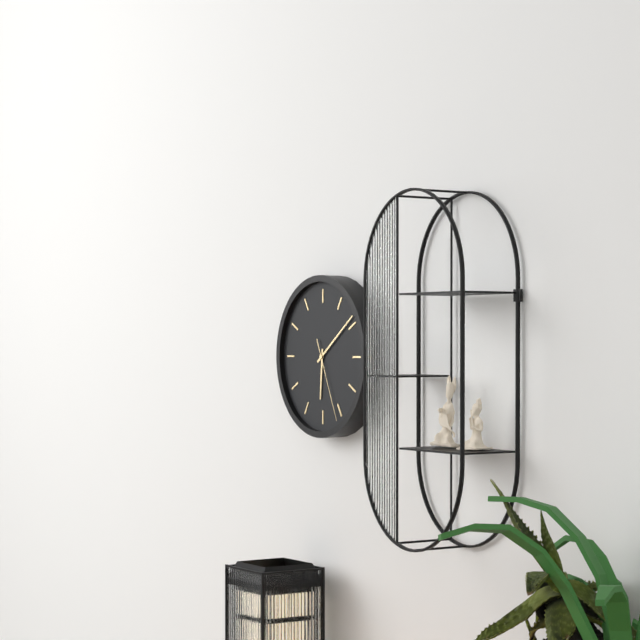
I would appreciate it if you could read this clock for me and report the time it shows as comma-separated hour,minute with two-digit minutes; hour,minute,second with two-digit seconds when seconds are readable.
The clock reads 6,09,26
